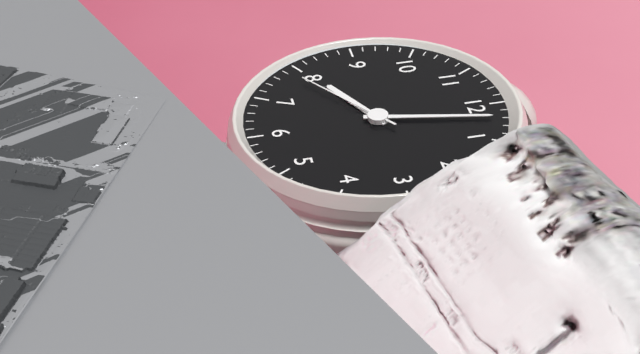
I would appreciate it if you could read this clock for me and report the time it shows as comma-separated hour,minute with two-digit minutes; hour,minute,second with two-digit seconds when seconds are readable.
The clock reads 8,02,39
